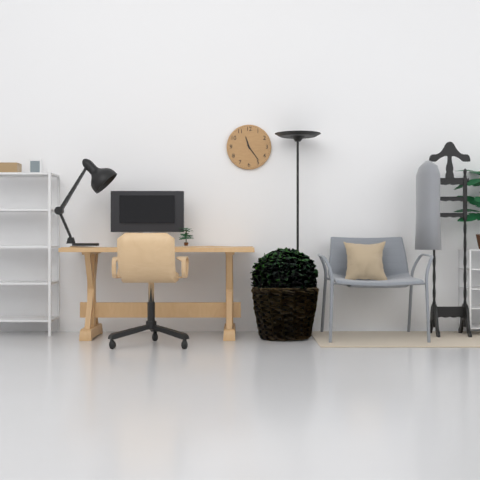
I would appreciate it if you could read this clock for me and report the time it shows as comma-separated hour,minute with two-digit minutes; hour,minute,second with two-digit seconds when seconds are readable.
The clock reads 11,24
